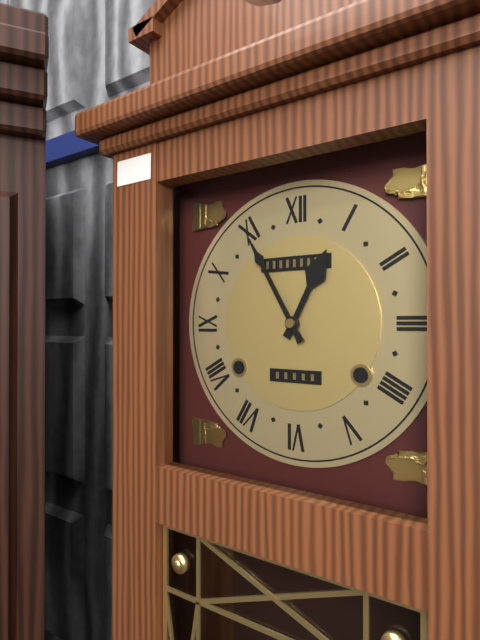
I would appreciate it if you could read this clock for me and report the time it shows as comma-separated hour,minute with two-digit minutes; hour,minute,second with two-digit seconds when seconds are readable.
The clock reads 12,55
